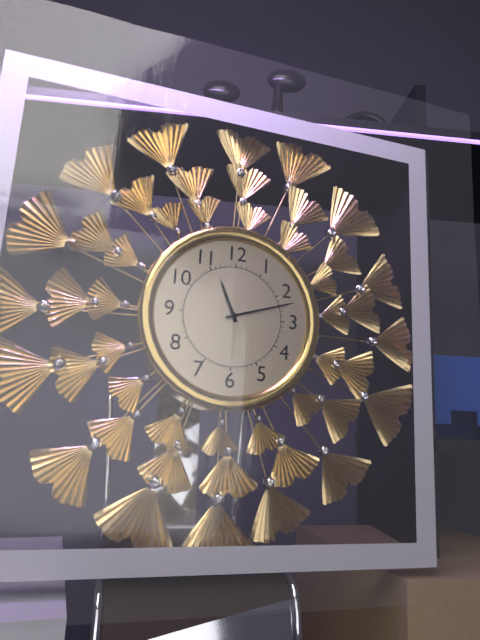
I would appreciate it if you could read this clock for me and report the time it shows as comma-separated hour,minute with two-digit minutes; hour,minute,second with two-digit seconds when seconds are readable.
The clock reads 11,12
